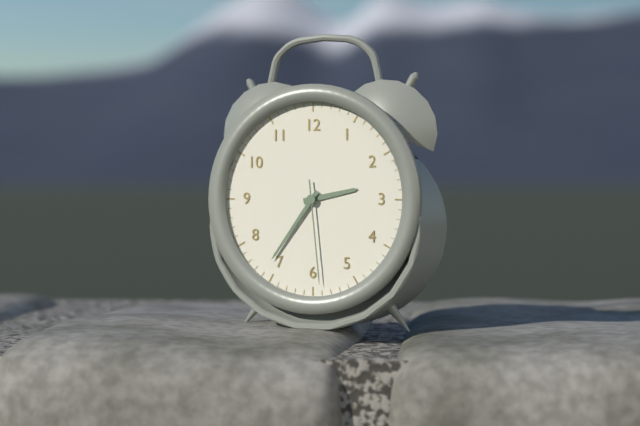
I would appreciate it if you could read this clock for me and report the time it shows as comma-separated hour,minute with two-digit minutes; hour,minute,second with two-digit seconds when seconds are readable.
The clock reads 2,36,29
